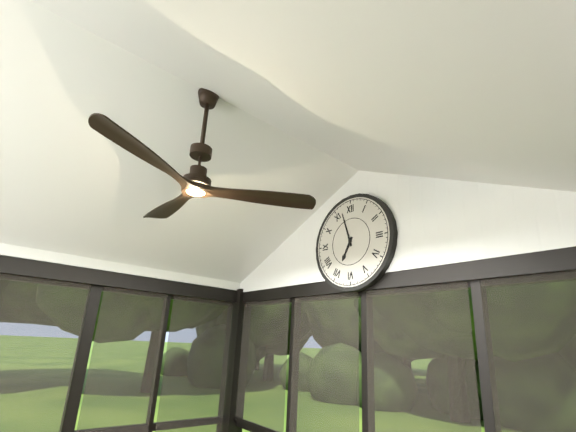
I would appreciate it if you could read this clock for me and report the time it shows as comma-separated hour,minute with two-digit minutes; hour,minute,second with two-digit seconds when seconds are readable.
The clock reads 6,57
